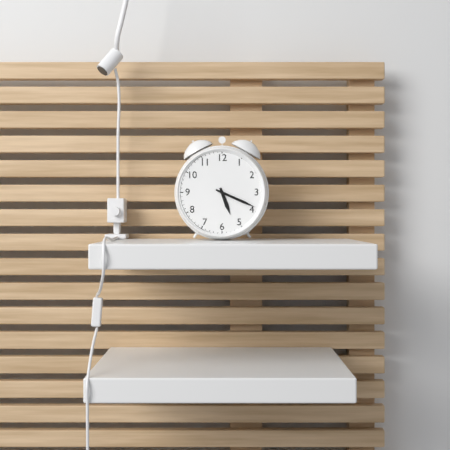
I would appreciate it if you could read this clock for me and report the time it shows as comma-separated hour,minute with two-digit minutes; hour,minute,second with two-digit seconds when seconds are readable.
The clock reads 5,19
